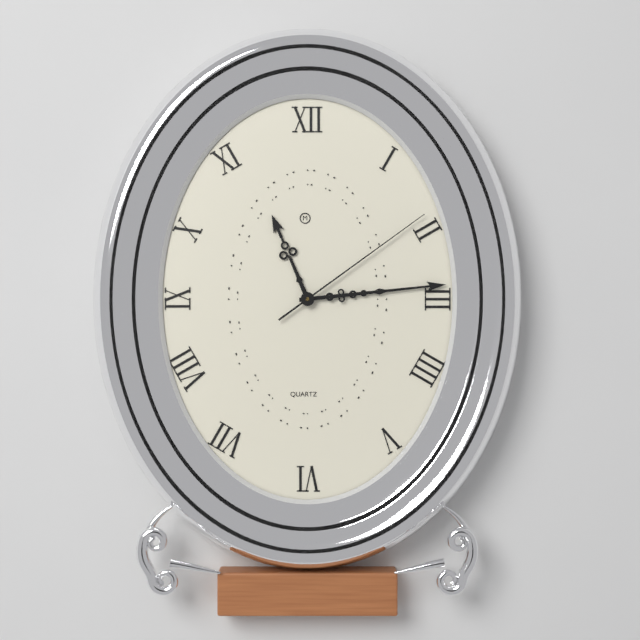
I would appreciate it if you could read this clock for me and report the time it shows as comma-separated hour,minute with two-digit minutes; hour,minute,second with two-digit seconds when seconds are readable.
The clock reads 11,14,09
